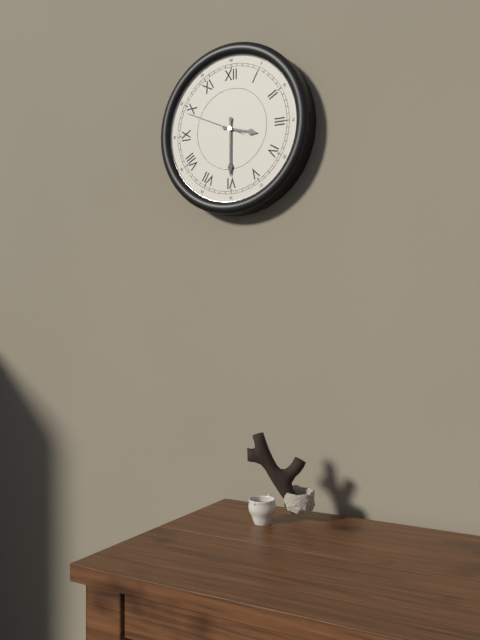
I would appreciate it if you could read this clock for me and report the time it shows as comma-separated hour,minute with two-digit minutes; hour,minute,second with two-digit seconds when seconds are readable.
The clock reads 3,30,49
